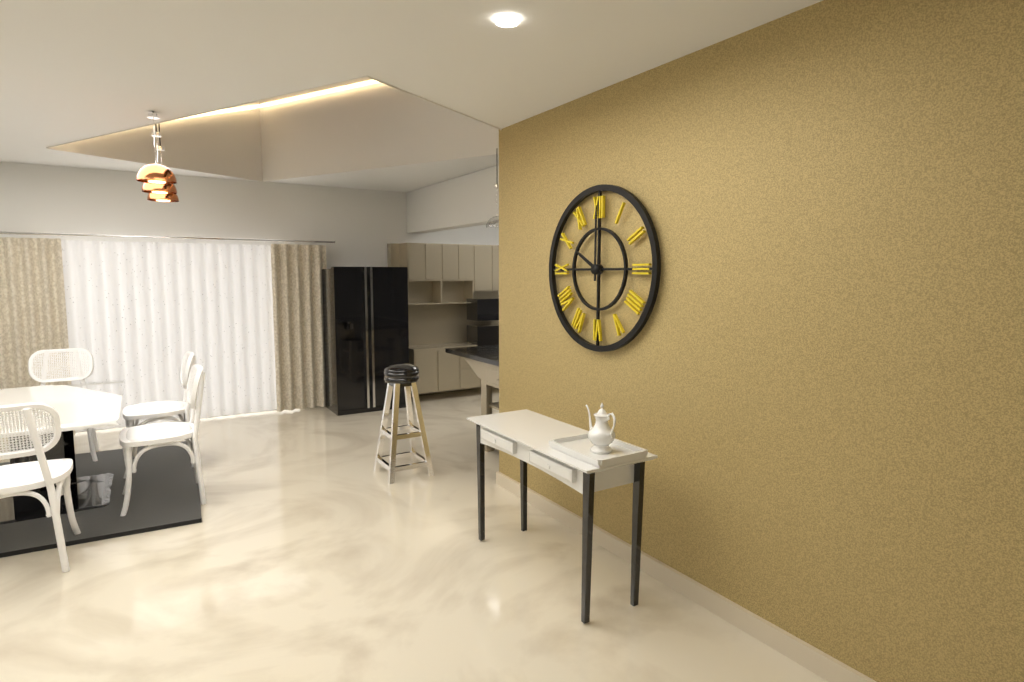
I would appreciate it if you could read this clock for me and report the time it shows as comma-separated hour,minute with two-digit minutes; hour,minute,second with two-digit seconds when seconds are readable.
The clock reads 10,00
